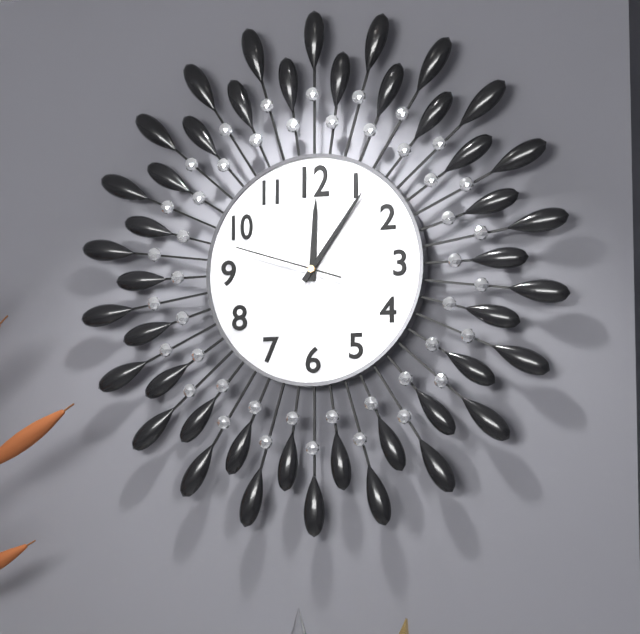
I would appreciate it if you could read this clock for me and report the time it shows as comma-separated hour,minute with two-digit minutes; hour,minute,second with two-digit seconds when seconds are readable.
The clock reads 12,06,48
